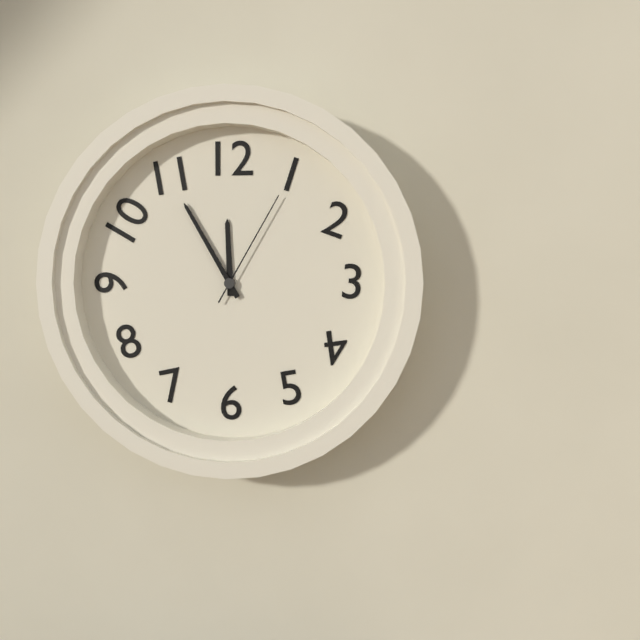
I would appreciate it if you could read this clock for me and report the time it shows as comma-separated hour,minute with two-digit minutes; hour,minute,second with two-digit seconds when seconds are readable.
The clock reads 11,55,05
